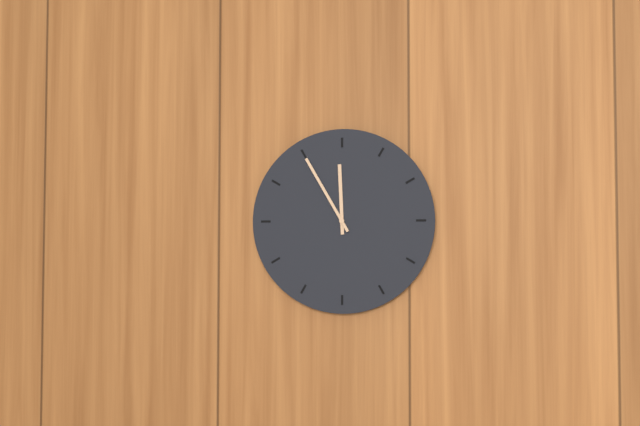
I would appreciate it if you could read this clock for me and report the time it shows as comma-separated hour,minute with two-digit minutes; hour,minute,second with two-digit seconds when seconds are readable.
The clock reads 11,55
